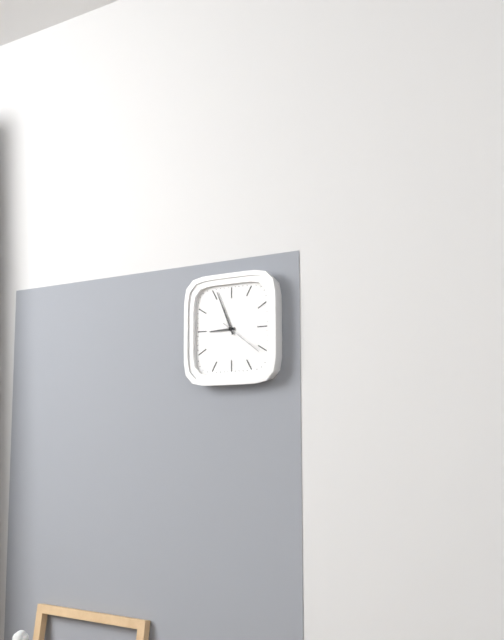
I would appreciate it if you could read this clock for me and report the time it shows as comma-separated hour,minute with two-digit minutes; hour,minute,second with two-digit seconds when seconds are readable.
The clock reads 8,56
